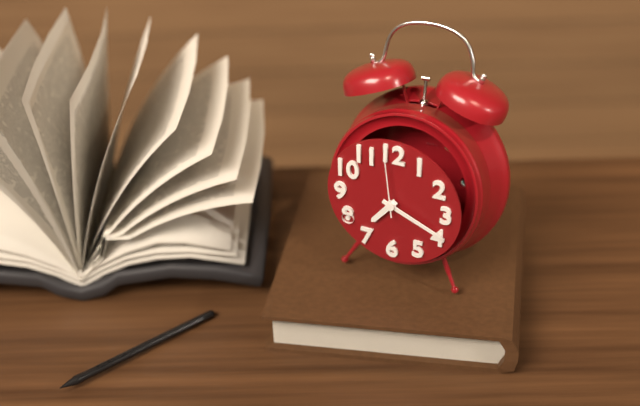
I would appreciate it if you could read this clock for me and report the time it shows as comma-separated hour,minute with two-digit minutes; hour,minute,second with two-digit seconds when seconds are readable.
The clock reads 7,19,59
